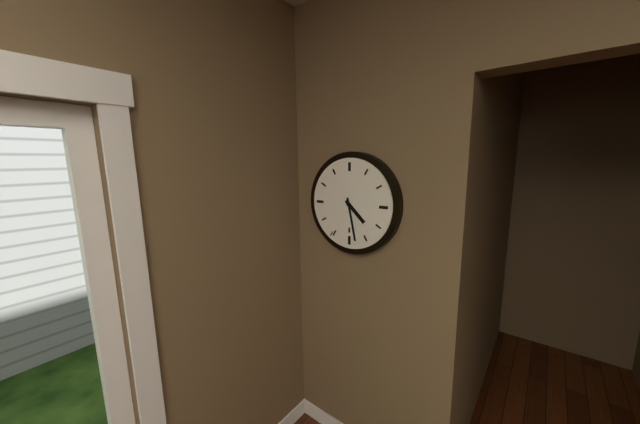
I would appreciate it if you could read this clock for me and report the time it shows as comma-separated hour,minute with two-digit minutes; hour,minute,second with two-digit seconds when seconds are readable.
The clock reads 4,28
